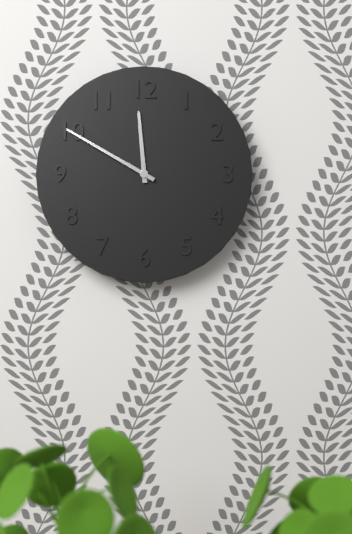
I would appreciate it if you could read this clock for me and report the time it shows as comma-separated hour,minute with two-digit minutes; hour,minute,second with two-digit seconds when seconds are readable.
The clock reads 11,50
